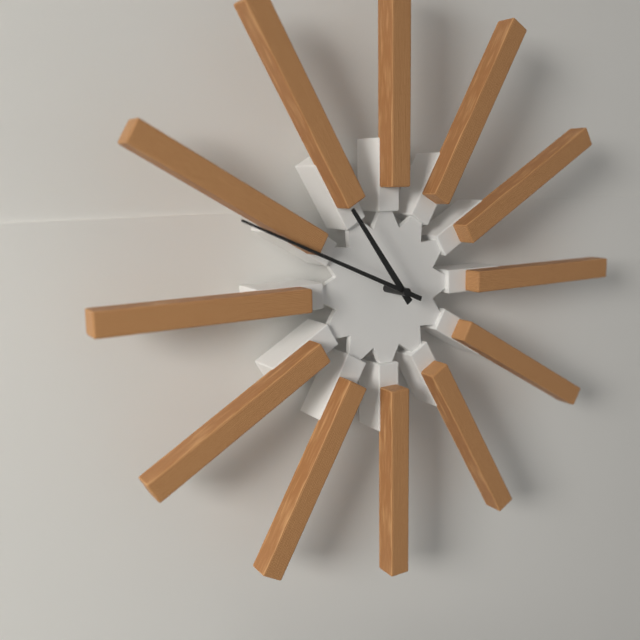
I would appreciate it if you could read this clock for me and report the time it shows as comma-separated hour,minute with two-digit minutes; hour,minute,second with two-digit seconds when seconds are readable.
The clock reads 10,49
